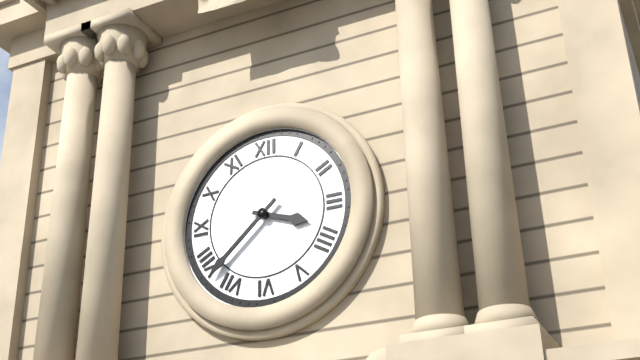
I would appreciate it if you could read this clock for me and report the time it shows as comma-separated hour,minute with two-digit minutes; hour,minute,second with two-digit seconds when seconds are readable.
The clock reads 3,38
